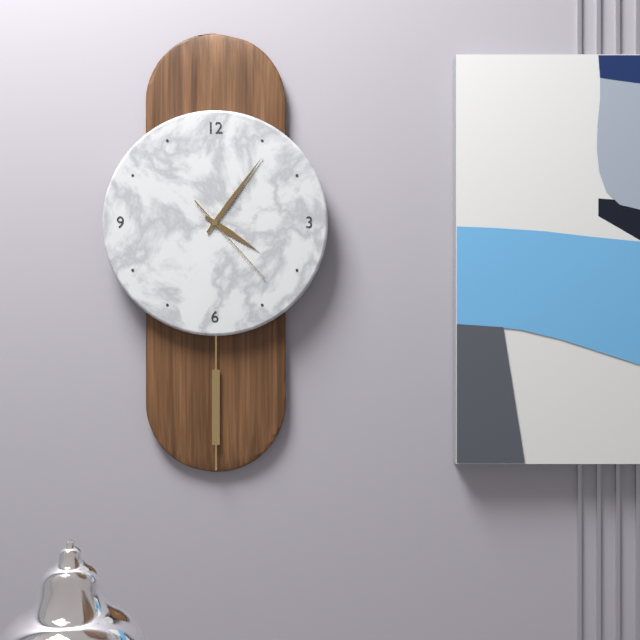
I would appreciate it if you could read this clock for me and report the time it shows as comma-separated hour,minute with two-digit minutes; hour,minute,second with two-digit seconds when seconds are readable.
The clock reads 4,06,23
